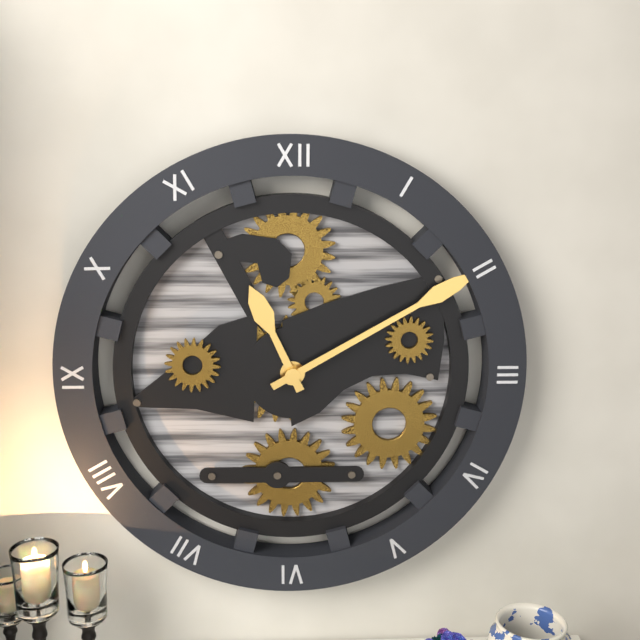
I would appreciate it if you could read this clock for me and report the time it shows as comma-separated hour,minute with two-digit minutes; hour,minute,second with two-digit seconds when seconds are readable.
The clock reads 11,10
